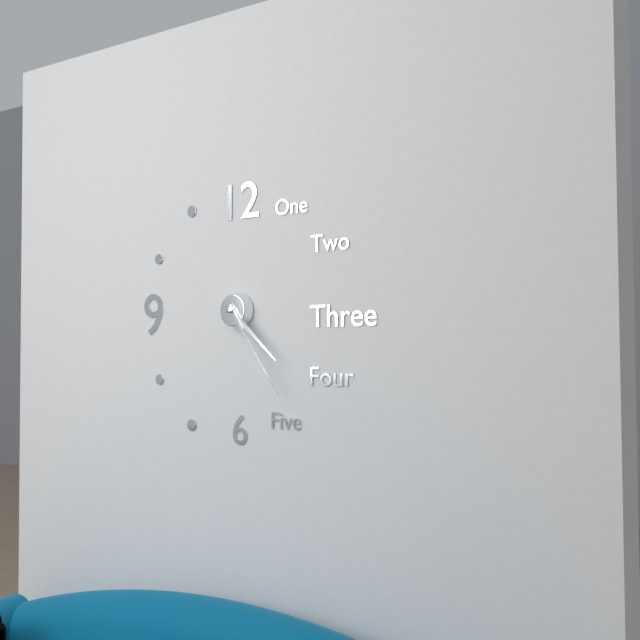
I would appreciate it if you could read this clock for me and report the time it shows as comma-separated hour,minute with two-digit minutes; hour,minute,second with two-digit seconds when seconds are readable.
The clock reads 4,24
